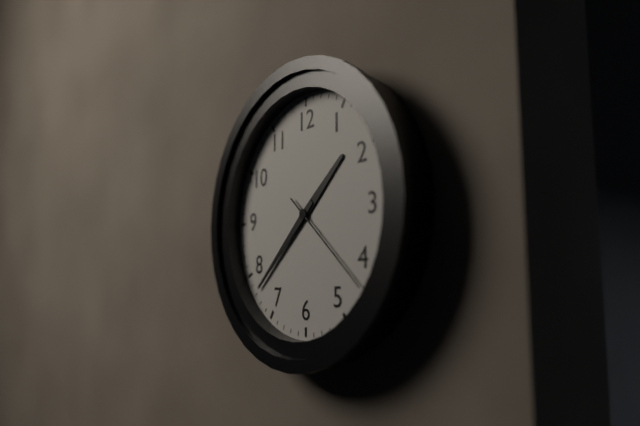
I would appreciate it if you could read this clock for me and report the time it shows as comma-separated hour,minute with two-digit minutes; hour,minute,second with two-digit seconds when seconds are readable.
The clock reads 1,38,22
